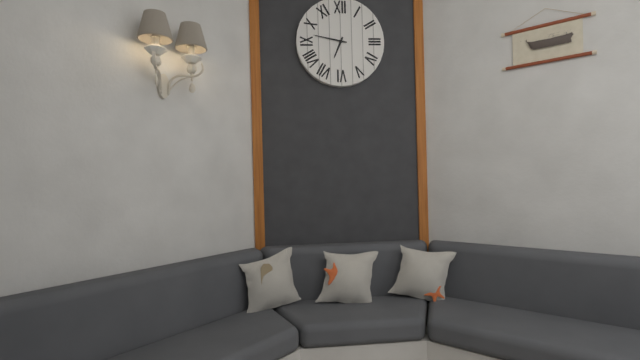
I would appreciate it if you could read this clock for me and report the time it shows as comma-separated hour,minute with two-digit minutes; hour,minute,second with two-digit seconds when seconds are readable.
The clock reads 6,47
